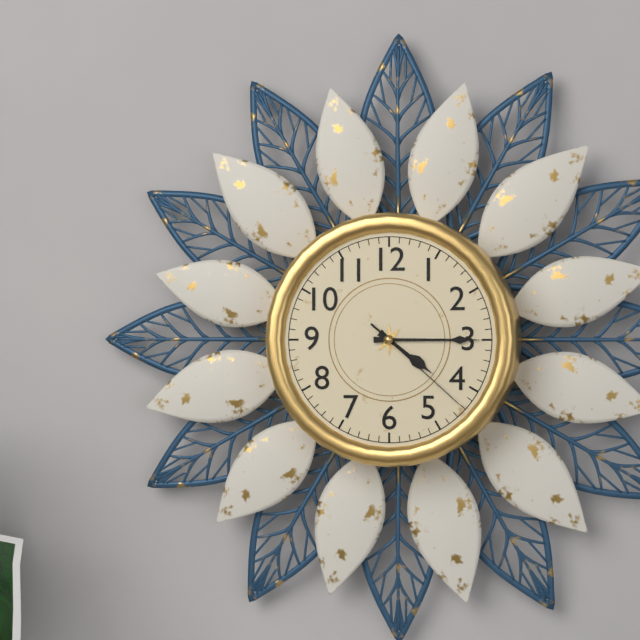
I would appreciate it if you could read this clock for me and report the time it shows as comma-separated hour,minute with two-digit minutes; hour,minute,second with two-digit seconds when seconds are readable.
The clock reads 4,15,22
